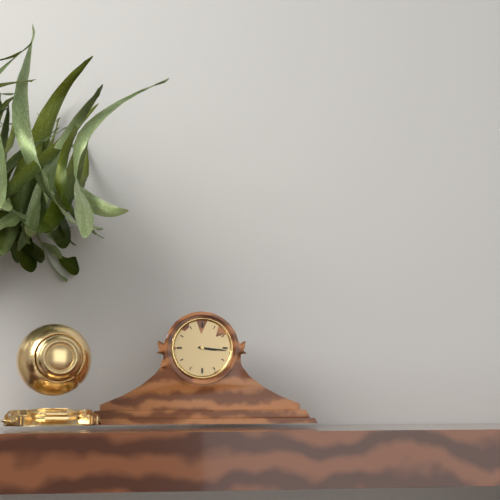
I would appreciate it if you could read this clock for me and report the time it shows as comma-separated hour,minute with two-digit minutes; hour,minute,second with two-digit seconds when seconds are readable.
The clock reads 3,16
